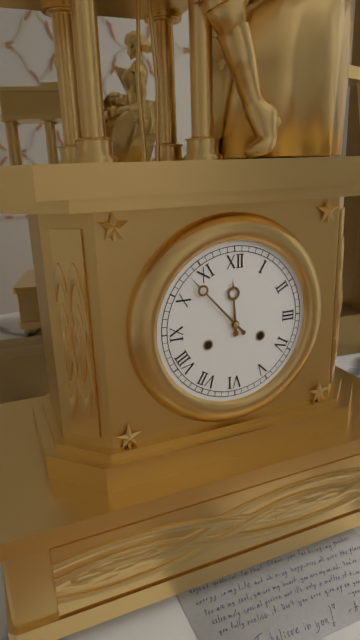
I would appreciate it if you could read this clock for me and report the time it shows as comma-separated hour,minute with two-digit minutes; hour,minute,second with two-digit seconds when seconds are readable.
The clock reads 11,53
